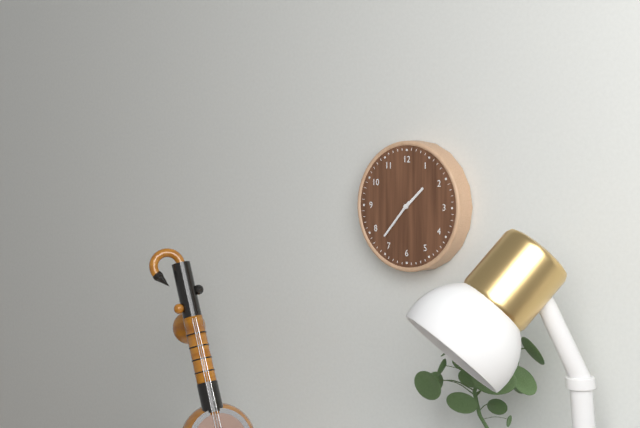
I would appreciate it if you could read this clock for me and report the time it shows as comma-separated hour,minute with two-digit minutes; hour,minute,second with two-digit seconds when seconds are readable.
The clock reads 1,37
